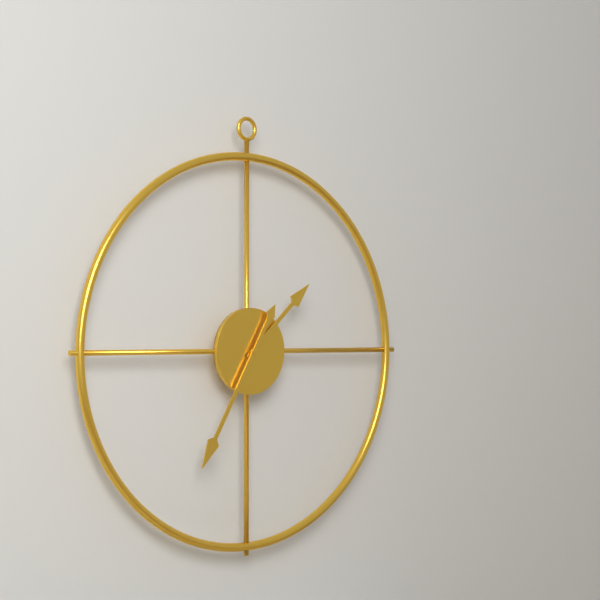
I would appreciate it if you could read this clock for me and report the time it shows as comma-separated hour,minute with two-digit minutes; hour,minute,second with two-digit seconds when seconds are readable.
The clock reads 1,35
